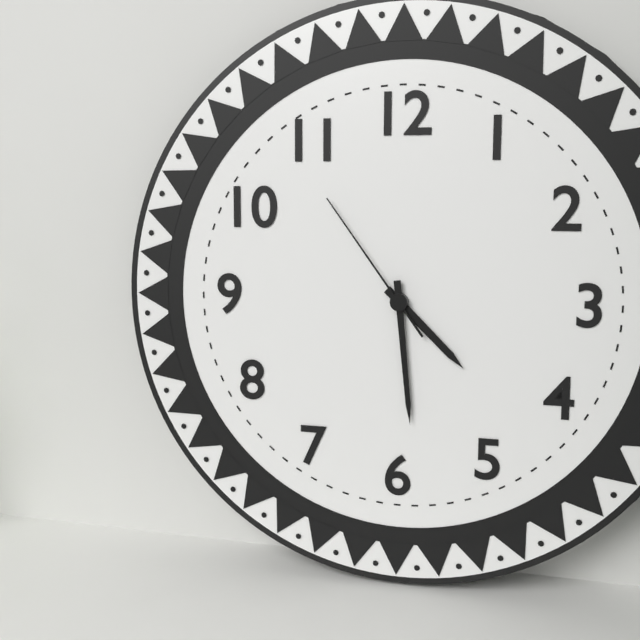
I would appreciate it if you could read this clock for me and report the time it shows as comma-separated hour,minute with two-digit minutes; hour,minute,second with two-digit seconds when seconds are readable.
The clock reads 4,29,54
